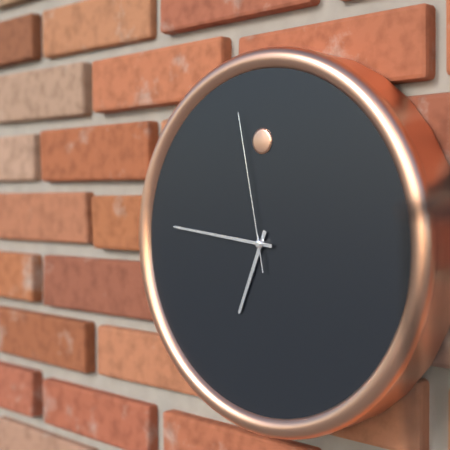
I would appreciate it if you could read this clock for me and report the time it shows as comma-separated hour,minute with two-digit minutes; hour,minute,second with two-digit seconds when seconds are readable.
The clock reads 6,46,58
